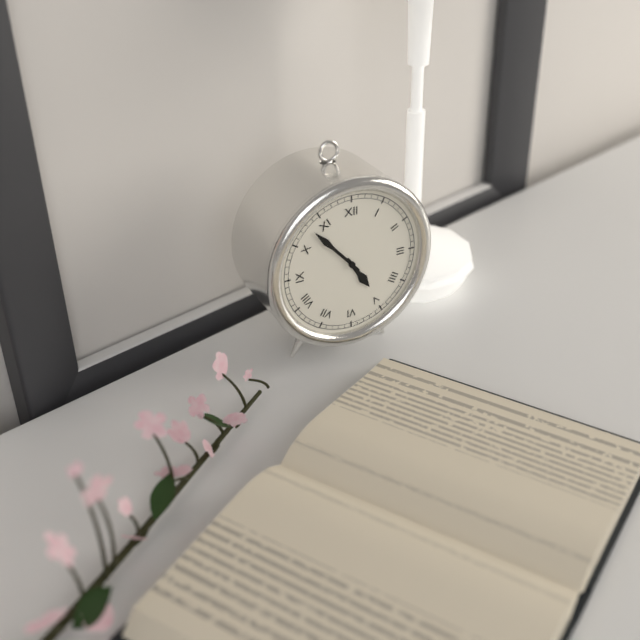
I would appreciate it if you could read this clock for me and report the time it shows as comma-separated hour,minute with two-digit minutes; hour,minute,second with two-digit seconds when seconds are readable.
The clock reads 4,53
